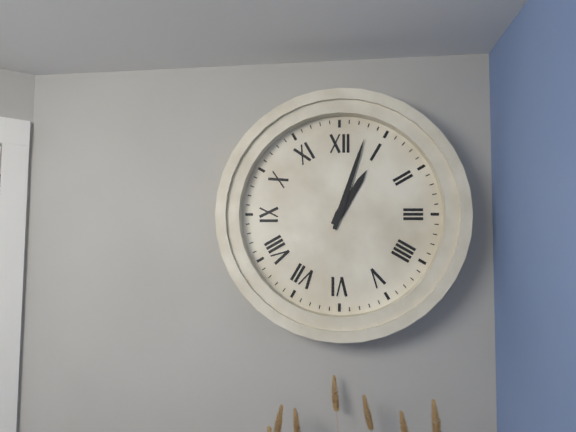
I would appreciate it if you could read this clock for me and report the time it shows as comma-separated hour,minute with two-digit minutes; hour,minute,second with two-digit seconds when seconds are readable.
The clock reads 1,03
